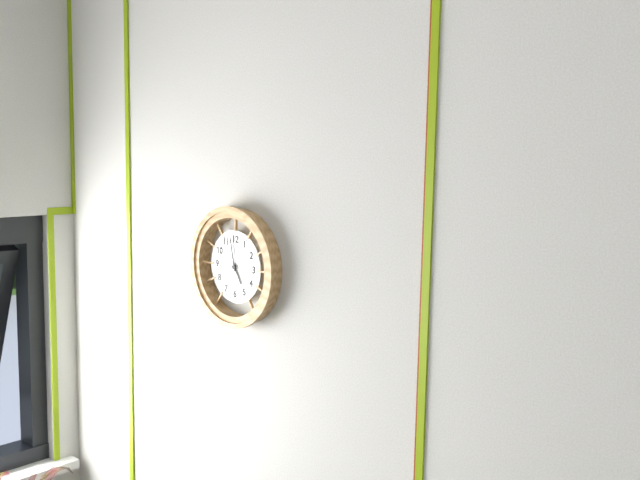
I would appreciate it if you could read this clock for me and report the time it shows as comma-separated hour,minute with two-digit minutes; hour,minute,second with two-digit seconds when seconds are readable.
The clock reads 4,58
